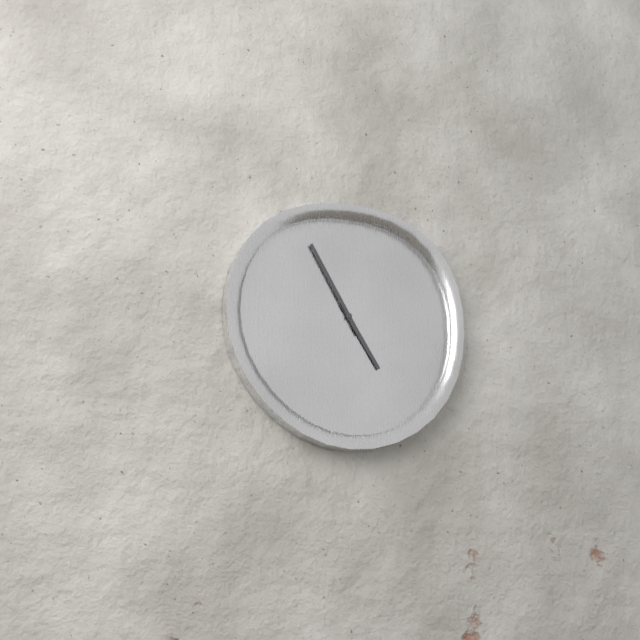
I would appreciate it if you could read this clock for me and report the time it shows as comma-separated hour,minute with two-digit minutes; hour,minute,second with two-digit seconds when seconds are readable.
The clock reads 4,55
